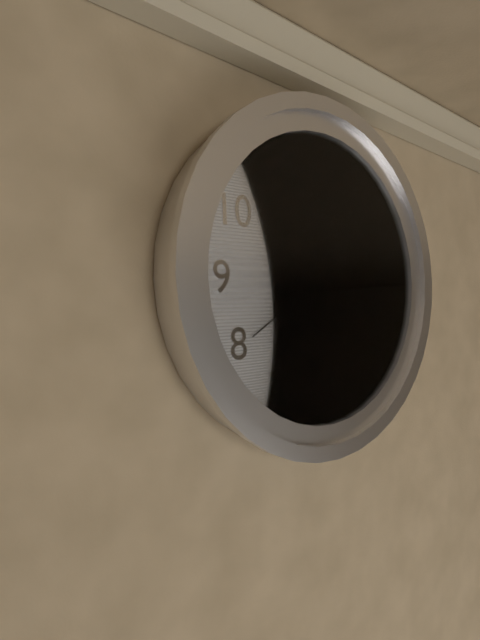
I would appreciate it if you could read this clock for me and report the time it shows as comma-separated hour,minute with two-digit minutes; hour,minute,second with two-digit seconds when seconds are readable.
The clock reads 1,11,40
